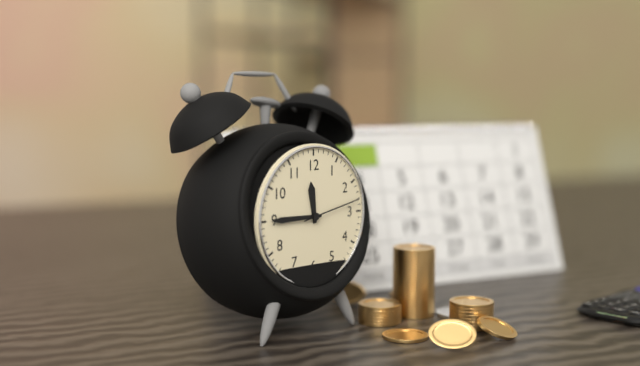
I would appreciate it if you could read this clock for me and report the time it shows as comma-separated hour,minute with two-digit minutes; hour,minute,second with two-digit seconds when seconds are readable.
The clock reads 11,45,13
